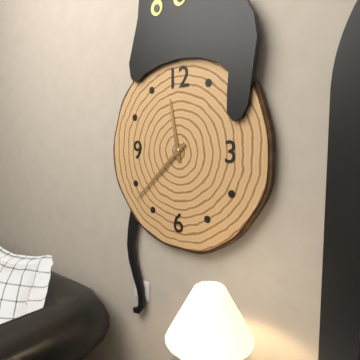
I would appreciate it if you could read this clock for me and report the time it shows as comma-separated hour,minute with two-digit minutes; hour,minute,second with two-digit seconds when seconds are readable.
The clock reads 11,38
